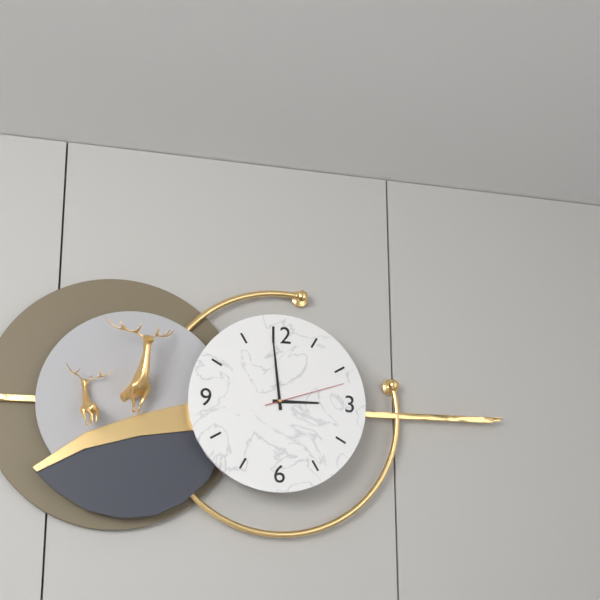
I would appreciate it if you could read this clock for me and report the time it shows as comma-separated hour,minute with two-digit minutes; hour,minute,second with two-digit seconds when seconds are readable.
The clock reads 2,59,12
